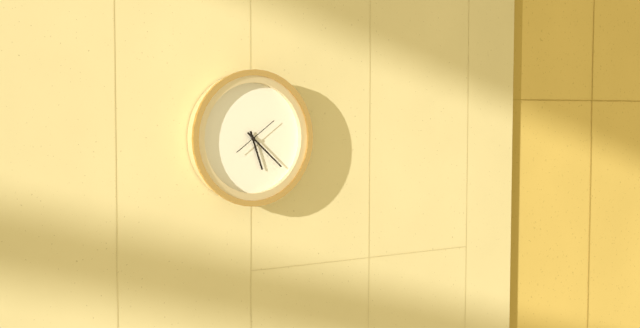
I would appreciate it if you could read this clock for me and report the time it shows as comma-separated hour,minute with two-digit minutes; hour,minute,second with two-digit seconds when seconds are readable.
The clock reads 5,22
